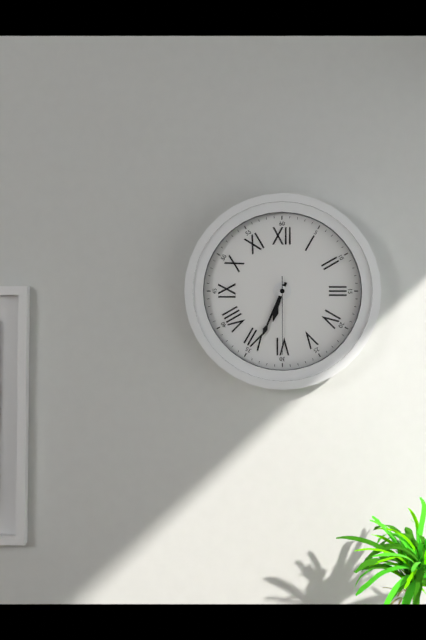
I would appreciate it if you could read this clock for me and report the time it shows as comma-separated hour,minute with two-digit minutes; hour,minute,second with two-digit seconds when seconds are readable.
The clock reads 6,34,30
